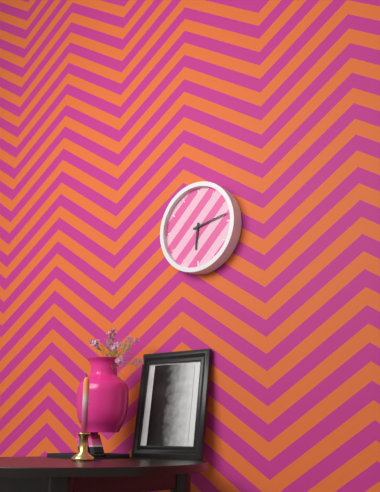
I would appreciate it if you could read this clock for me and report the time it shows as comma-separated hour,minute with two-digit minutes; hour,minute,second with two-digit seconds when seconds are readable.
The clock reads 6,13
